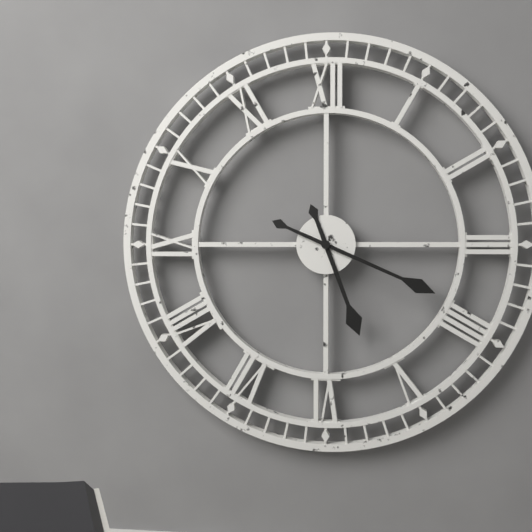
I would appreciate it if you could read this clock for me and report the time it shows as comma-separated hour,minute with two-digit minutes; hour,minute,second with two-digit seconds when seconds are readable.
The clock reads 5,19
